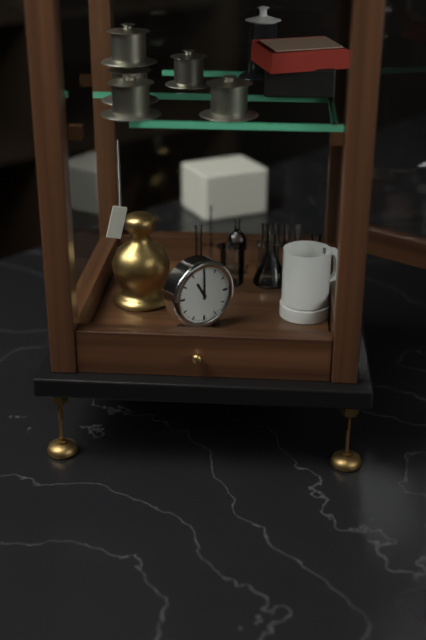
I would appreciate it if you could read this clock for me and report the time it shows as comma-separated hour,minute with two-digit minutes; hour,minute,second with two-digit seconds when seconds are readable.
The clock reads 11,00
